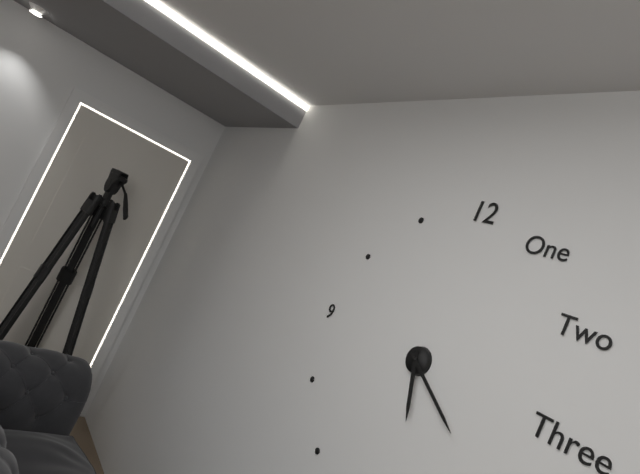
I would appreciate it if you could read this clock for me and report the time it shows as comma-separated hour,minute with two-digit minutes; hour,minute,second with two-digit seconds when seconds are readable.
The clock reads 5,20
